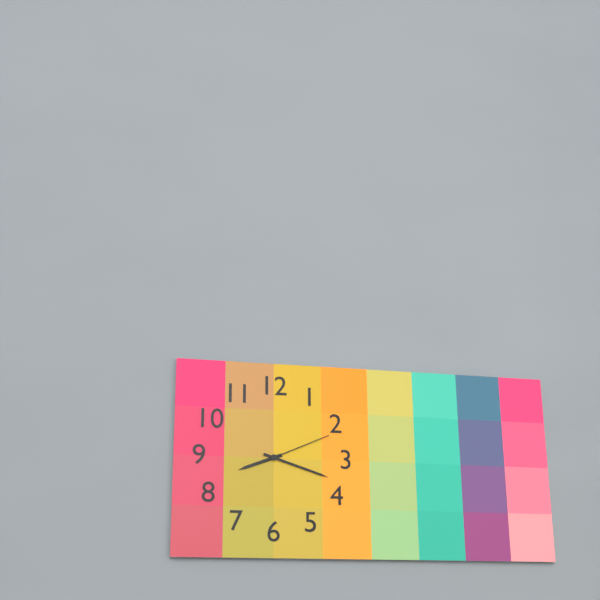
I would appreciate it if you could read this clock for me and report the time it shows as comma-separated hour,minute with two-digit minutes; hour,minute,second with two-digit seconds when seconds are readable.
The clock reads 8,18,11
